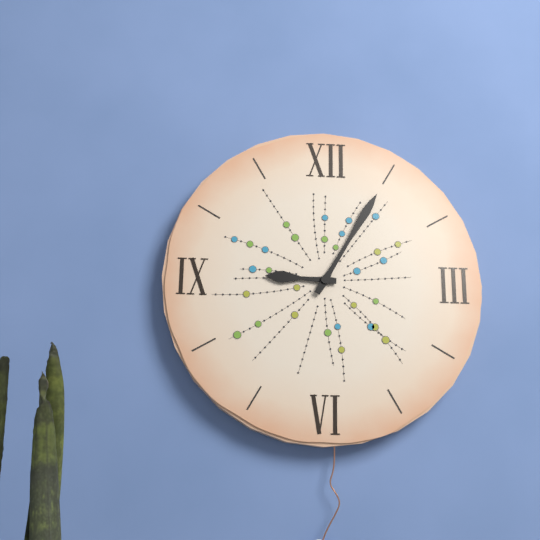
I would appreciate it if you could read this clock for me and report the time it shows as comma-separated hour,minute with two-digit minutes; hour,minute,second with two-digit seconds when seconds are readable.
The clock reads 9,05
